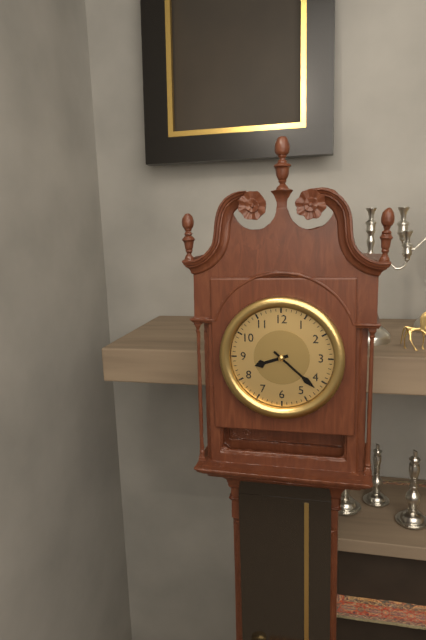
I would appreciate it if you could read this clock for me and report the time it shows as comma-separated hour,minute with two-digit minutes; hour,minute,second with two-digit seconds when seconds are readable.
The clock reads 8,22
